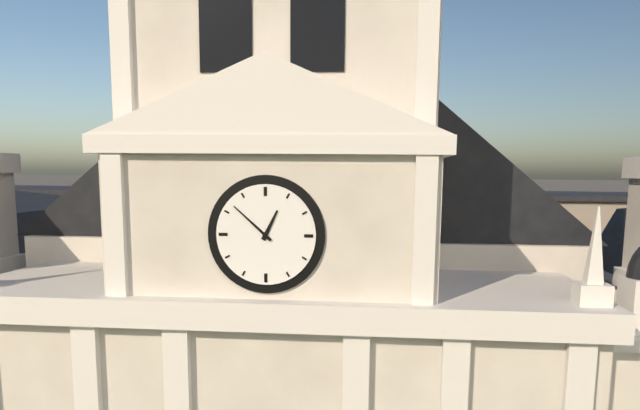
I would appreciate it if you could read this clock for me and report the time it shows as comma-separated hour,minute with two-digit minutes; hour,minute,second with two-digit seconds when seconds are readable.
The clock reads 12,52
